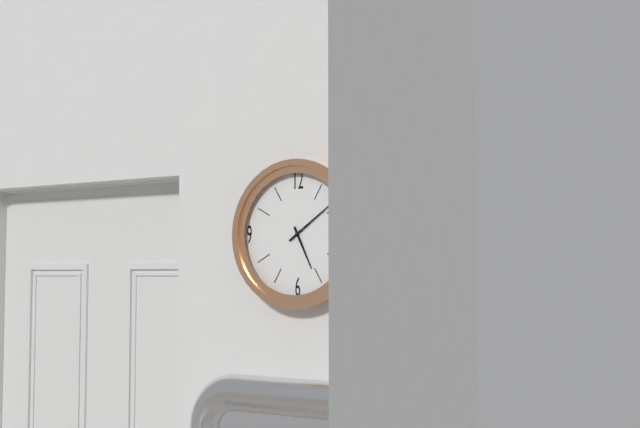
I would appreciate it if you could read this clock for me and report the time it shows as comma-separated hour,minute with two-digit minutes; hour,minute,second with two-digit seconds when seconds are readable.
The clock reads 5,09
